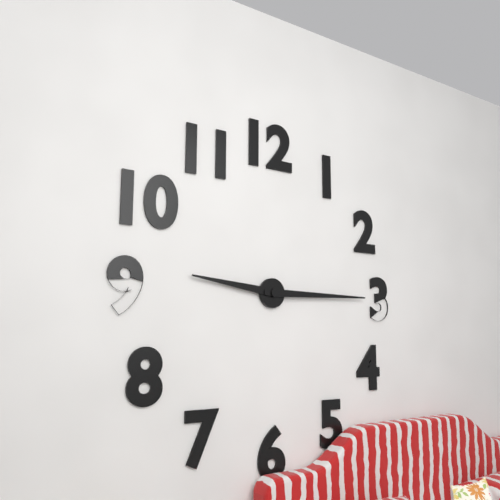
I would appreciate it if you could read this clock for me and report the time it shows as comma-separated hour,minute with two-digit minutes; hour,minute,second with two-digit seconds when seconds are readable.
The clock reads 9,15
